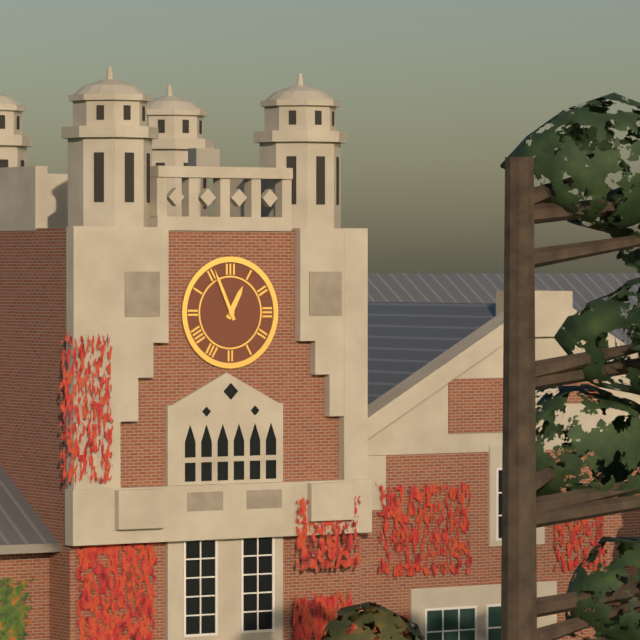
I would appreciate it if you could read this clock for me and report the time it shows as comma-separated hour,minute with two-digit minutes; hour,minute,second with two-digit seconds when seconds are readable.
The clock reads 12,56
